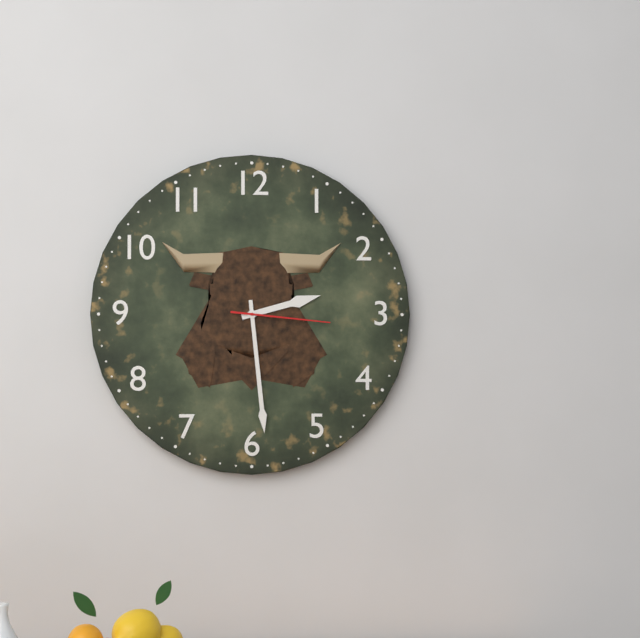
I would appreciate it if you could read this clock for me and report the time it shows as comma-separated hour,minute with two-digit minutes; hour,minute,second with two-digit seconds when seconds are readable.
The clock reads 2,29,16
